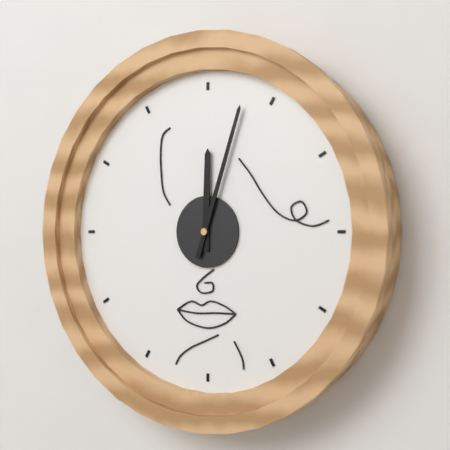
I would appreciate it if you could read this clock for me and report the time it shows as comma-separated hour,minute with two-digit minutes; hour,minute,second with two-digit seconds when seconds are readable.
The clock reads 12,03
